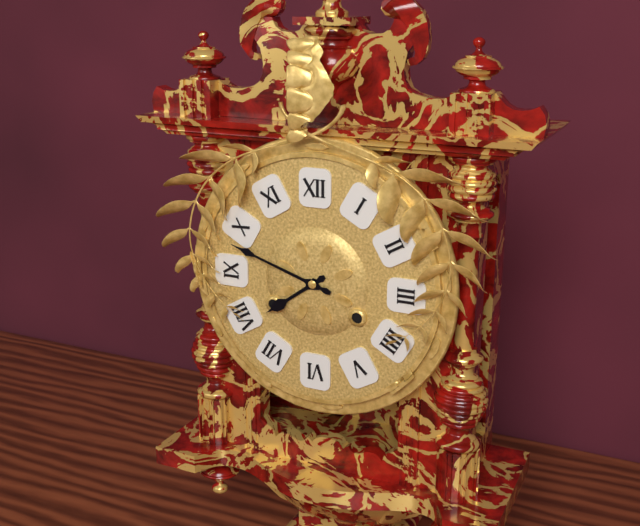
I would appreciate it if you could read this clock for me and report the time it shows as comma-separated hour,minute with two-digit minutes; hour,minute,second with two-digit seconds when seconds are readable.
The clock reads 7,48
